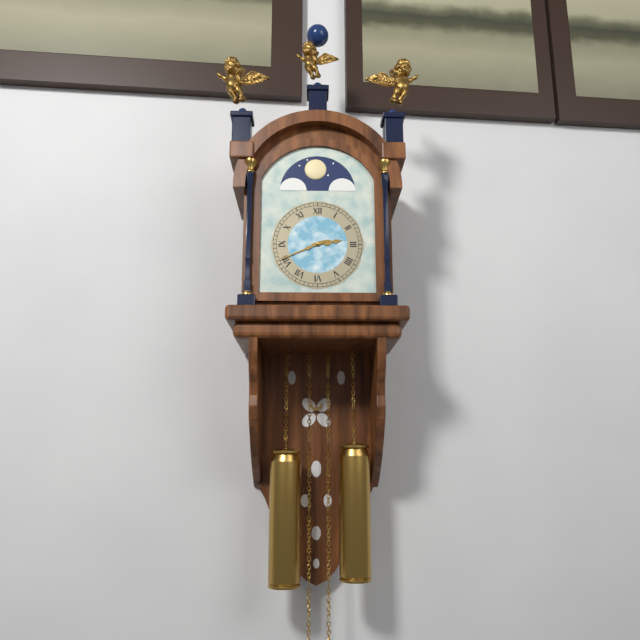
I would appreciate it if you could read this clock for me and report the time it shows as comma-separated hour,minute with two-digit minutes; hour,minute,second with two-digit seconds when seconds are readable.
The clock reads 2,41
